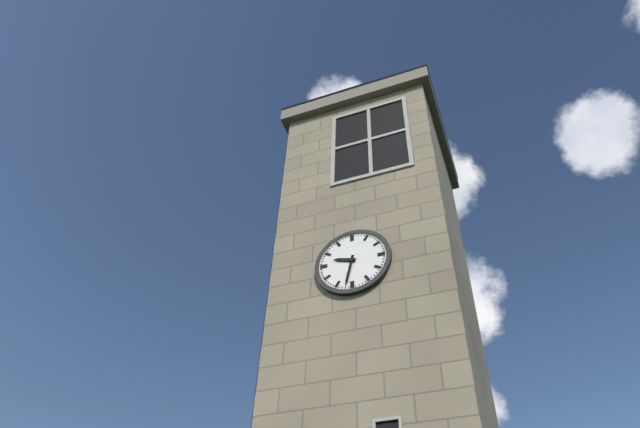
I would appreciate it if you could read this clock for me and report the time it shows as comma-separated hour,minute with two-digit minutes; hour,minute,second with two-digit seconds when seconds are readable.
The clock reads 9,32
